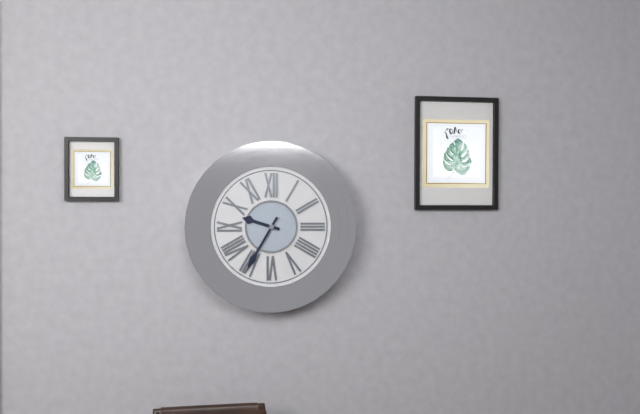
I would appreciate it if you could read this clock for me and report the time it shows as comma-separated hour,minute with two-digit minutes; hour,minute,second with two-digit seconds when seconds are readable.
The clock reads 9,35
